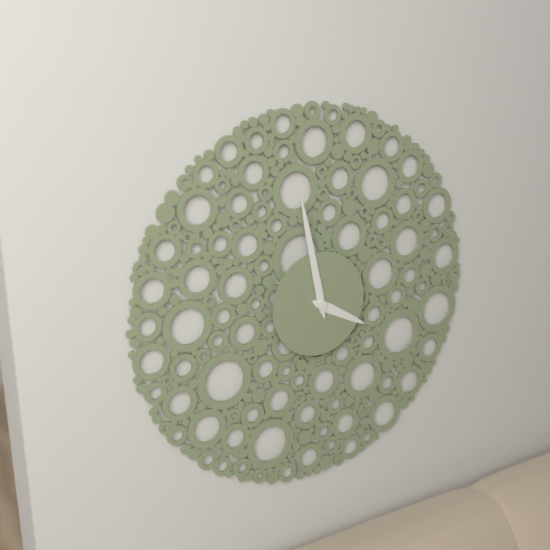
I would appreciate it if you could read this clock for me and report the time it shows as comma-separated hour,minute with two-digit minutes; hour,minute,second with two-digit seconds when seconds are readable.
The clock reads 3,58
